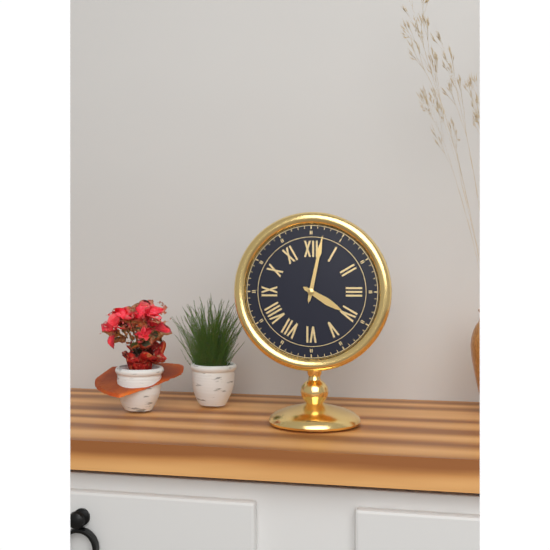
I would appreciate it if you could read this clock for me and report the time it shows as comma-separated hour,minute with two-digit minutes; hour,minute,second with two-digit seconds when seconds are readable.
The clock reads 4,02
